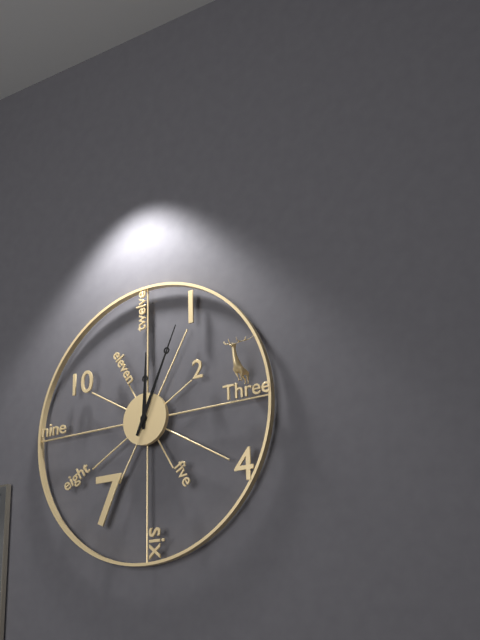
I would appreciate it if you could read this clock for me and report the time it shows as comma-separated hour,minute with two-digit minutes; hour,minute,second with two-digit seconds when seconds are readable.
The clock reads 12,04
